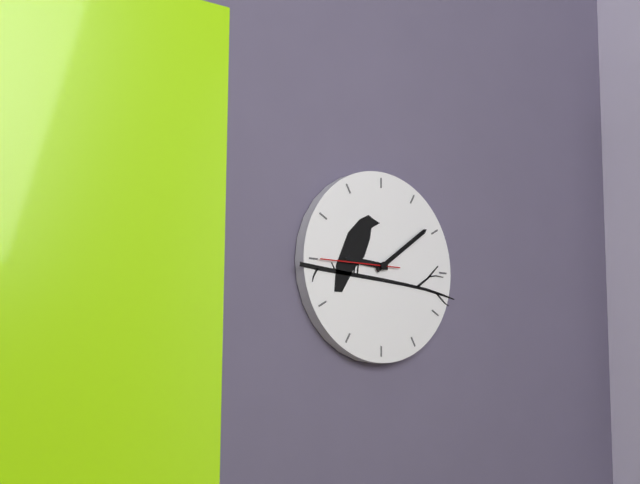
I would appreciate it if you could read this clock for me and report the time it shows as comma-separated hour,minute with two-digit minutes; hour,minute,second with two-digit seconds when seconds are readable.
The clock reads 9,09,45
